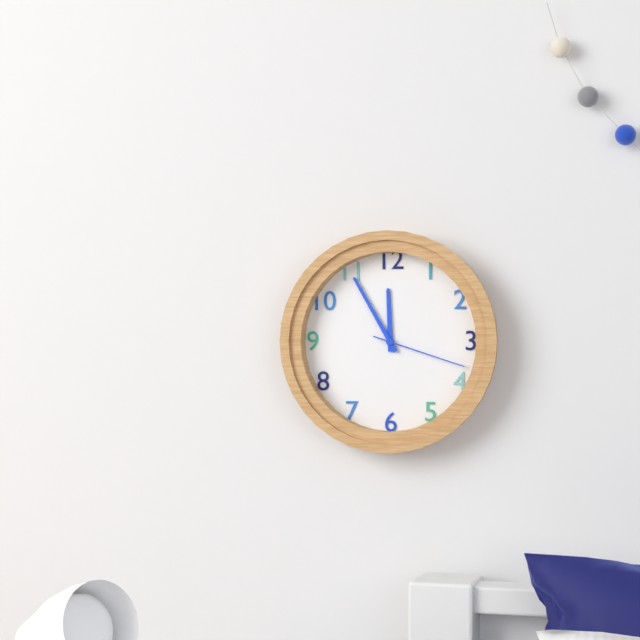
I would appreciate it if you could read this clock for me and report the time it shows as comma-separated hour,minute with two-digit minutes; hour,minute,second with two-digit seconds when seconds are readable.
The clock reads 11,55,18
